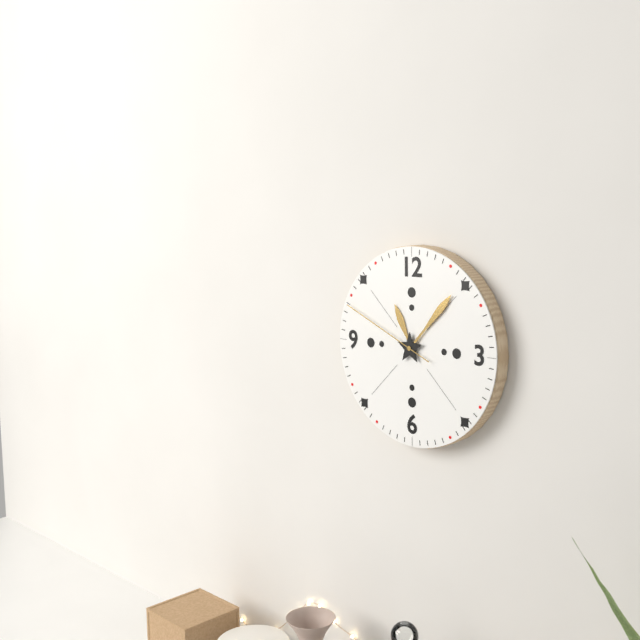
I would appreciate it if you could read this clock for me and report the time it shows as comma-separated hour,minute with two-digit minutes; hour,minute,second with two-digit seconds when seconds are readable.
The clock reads 11,07,49
